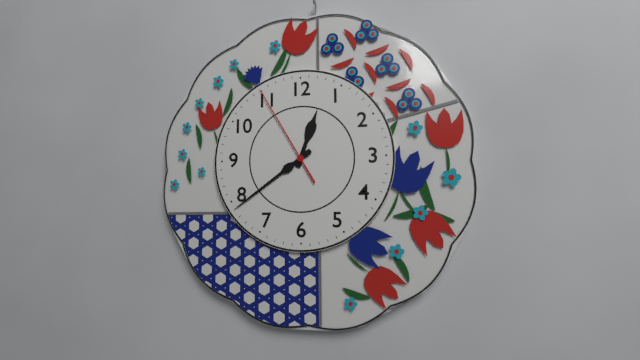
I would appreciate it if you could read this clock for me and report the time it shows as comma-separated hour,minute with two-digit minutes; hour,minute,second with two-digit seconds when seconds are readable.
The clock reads 12,39,55
